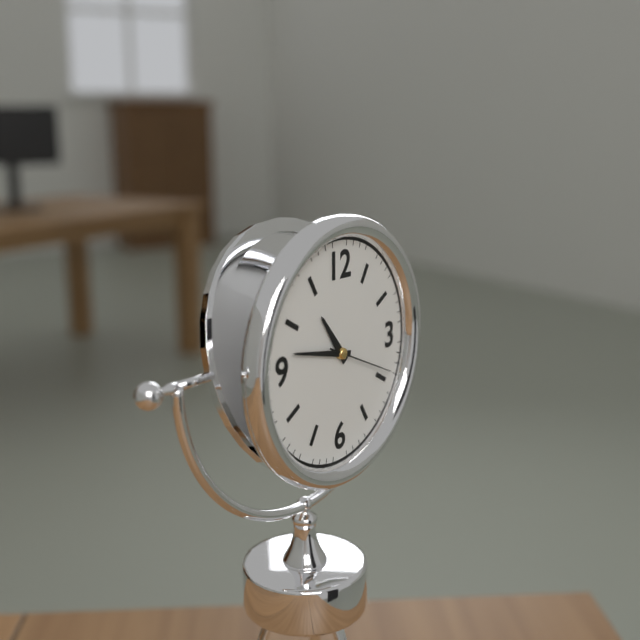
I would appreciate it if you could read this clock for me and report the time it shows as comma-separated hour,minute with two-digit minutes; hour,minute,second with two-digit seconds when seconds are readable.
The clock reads 10,47,19
